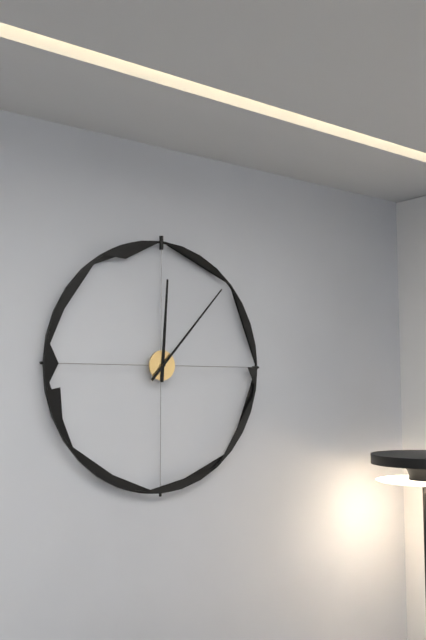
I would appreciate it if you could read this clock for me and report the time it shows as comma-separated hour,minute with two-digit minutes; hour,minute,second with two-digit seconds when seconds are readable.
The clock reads 12,07
